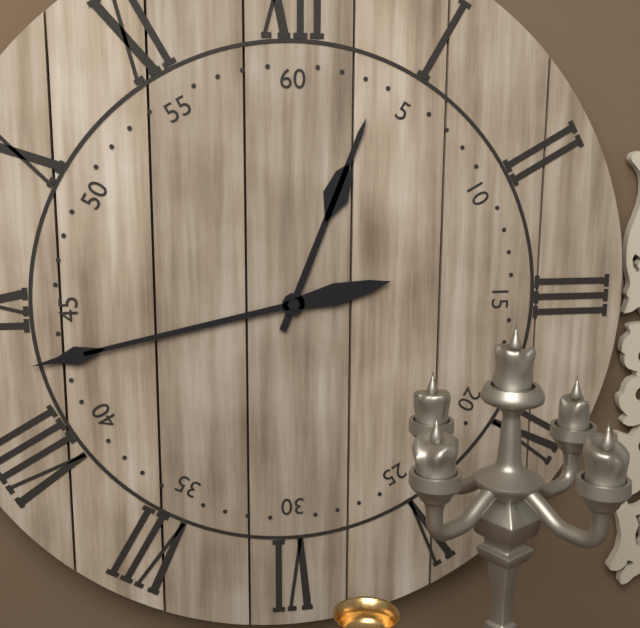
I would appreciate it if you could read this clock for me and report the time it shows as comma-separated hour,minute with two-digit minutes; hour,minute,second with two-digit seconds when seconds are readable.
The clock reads 12,43
